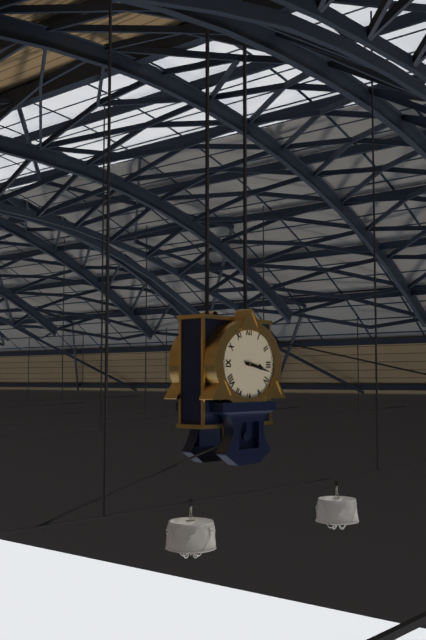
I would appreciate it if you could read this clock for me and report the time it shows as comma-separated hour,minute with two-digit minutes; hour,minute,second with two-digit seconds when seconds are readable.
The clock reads 3,17
